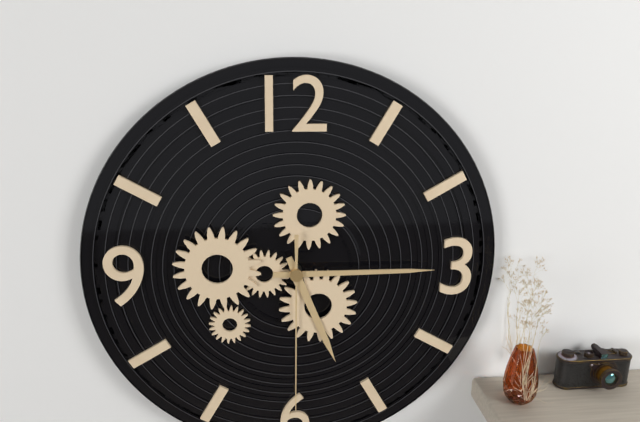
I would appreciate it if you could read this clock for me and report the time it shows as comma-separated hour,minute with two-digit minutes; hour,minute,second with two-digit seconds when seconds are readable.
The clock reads 5,15,30
